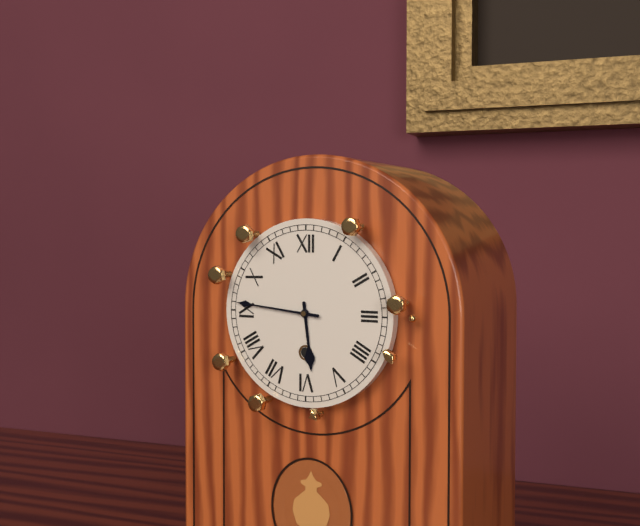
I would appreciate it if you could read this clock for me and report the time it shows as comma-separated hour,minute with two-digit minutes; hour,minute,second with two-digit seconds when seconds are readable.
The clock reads 5,46
